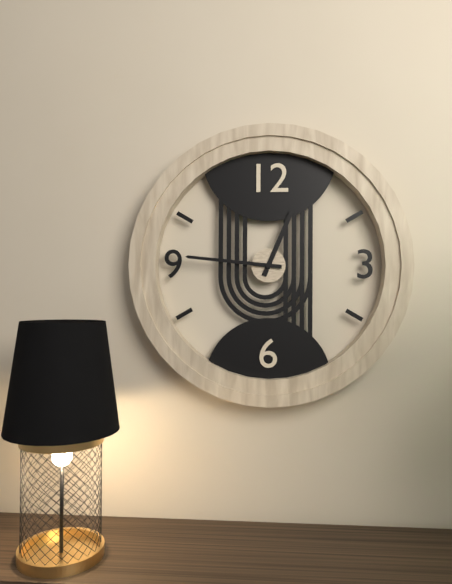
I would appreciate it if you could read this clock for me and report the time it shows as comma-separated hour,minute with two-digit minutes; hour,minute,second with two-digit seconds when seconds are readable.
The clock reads 12,46
